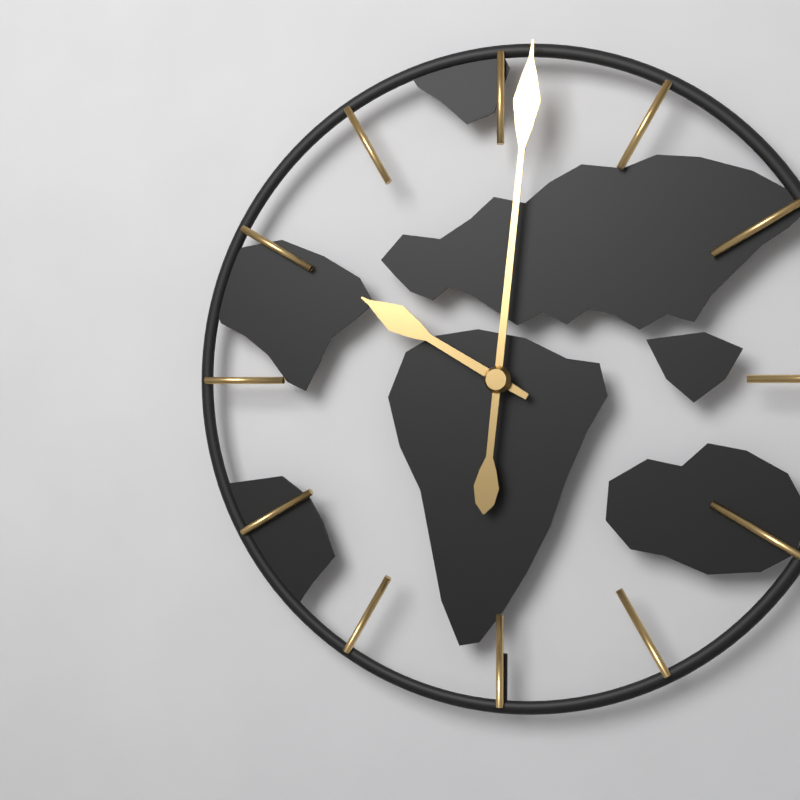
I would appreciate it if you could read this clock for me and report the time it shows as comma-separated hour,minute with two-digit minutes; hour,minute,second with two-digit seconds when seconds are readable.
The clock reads 10,01
